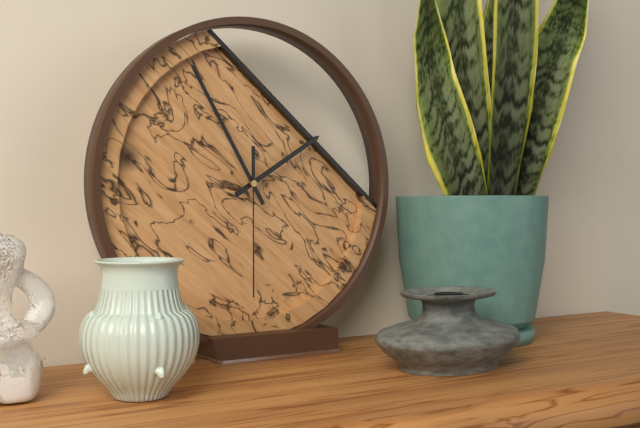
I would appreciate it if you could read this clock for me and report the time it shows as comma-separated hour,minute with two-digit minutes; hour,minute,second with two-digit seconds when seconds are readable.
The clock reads 1,55,30
